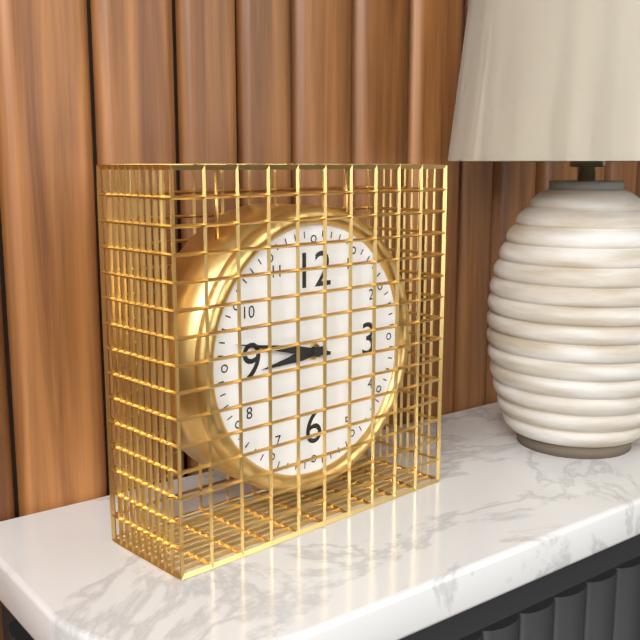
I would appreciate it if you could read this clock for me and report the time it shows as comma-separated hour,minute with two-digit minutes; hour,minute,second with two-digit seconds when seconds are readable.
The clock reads 8,47
